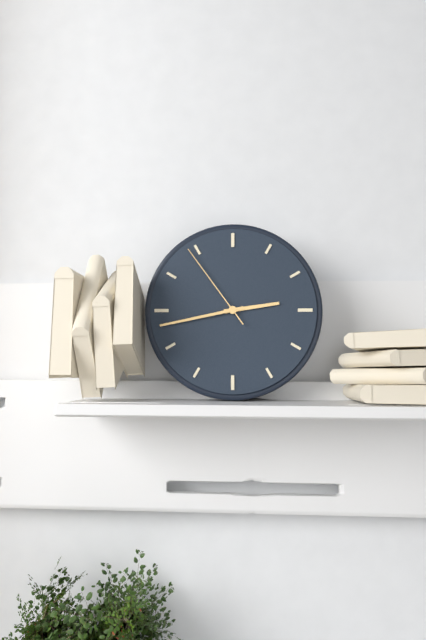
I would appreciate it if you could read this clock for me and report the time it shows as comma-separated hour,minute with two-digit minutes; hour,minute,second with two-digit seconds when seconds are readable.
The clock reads 2,43,54
